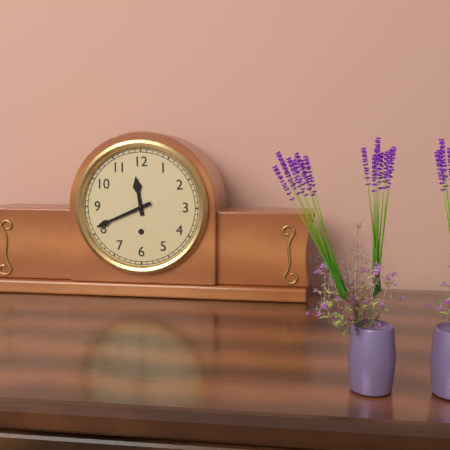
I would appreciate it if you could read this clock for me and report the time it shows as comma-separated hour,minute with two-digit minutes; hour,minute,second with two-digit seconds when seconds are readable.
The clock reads 11,41
